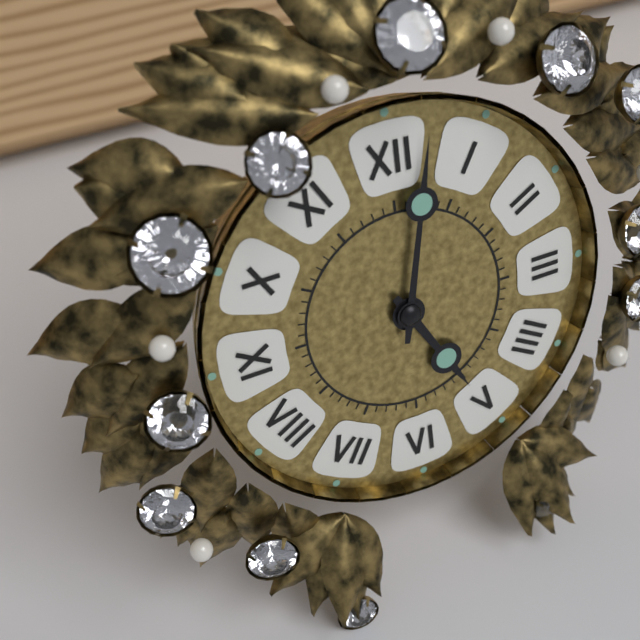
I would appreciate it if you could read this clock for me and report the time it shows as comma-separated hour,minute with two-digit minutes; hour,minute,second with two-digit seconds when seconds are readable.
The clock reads 5,02
